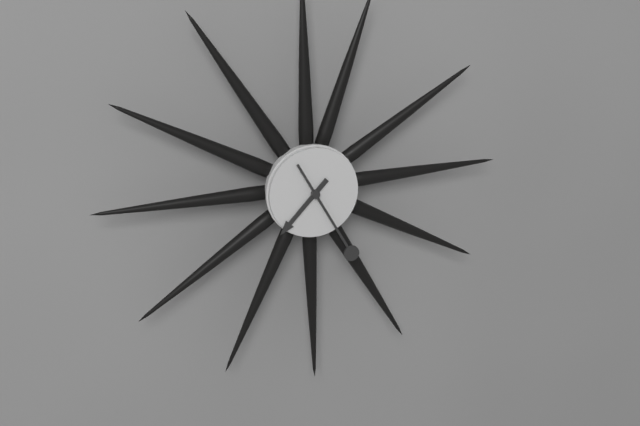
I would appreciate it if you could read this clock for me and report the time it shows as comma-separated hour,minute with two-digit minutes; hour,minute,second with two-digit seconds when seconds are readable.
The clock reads 7,25
